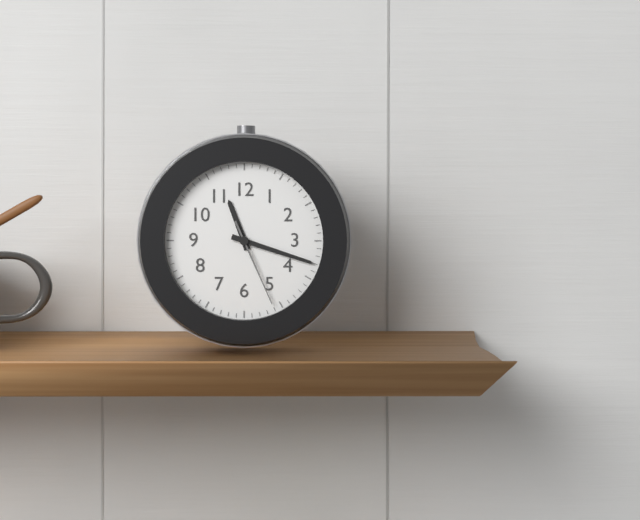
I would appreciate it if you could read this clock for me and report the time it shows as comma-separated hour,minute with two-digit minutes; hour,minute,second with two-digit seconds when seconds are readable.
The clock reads 11,18,26
